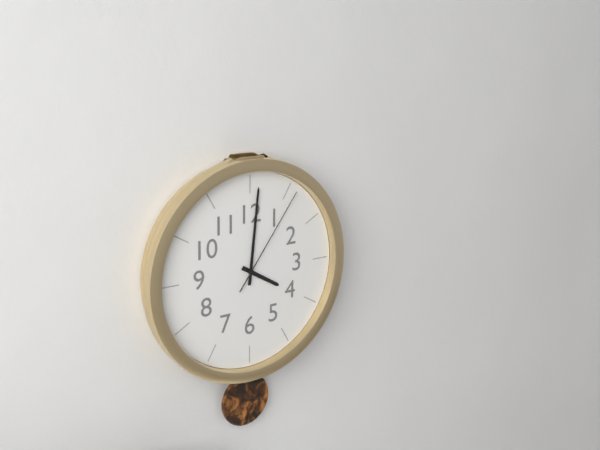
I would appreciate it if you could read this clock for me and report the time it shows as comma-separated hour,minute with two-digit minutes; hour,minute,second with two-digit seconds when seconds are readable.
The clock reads 4,01,06
